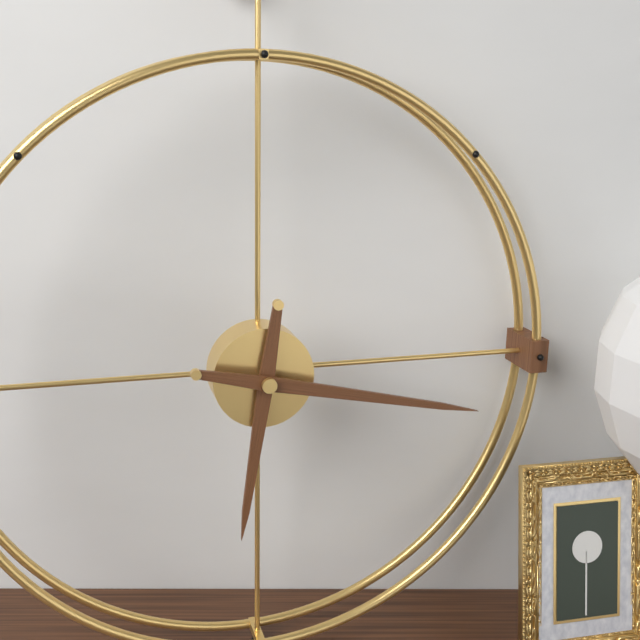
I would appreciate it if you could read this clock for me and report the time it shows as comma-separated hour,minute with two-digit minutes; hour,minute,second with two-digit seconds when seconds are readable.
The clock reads 6,17
